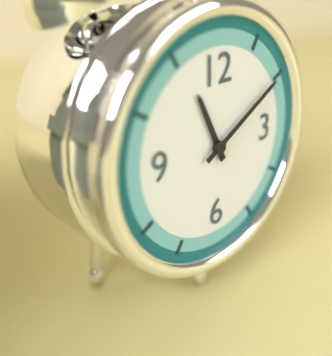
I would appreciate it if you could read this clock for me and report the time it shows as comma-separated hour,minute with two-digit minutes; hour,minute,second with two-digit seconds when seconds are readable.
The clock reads 11,10
